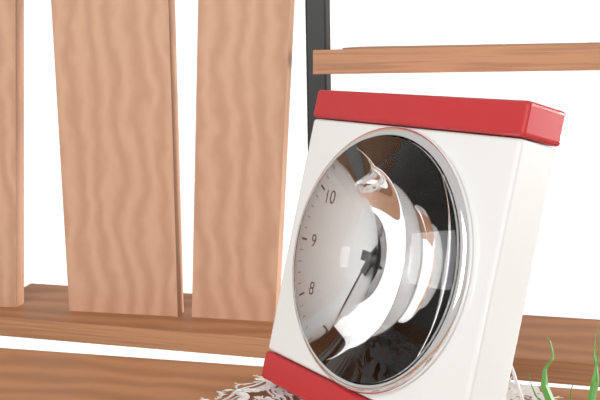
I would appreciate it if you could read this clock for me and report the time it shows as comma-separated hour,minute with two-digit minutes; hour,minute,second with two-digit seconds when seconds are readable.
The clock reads 3,04,34
